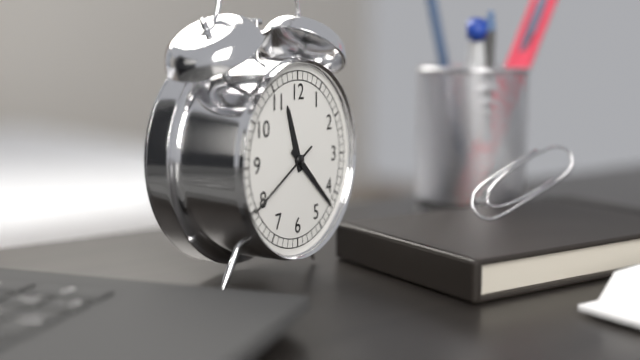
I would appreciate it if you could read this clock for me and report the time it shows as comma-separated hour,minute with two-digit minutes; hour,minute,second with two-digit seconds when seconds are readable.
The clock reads 11,22,40
